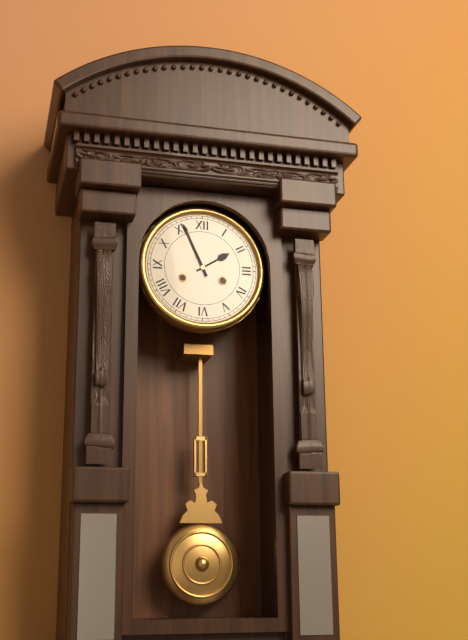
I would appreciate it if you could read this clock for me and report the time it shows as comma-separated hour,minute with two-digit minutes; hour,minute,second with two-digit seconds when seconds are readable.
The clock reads 1,56
